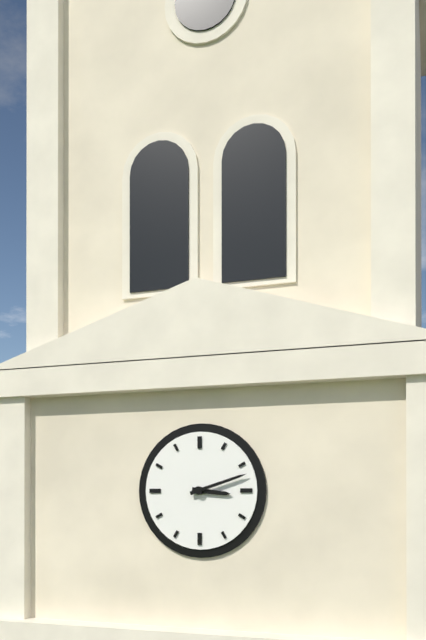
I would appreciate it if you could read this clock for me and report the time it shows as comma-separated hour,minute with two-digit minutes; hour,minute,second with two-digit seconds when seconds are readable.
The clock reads 3,12
